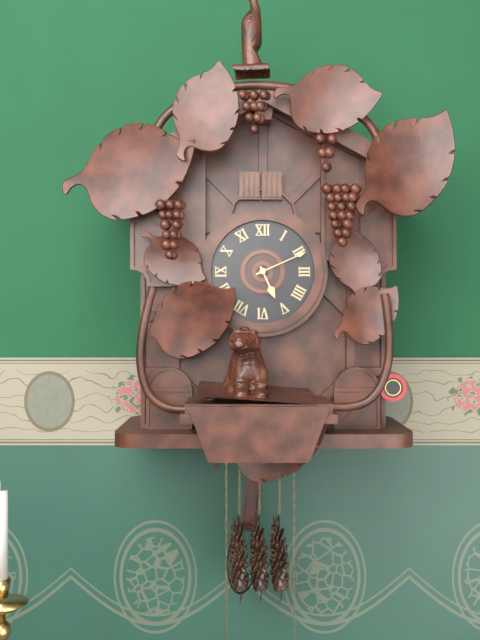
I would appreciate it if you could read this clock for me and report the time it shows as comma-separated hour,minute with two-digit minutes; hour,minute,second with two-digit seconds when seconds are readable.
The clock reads 5,11
